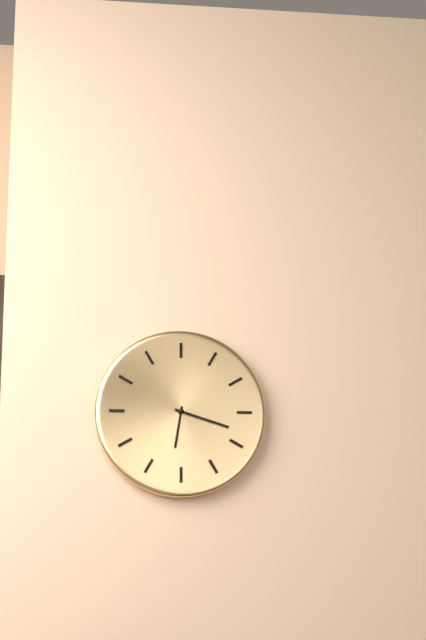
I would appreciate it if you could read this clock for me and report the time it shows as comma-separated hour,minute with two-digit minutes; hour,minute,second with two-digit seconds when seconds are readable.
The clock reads 6,18
